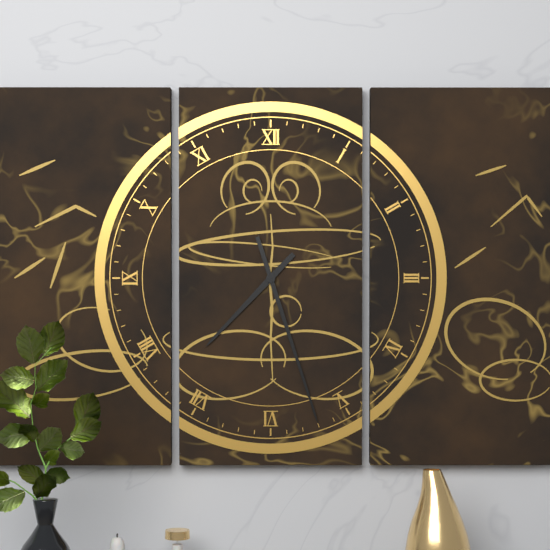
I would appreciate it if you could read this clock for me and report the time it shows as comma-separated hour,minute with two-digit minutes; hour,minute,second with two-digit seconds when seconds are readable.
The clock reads 7,27
